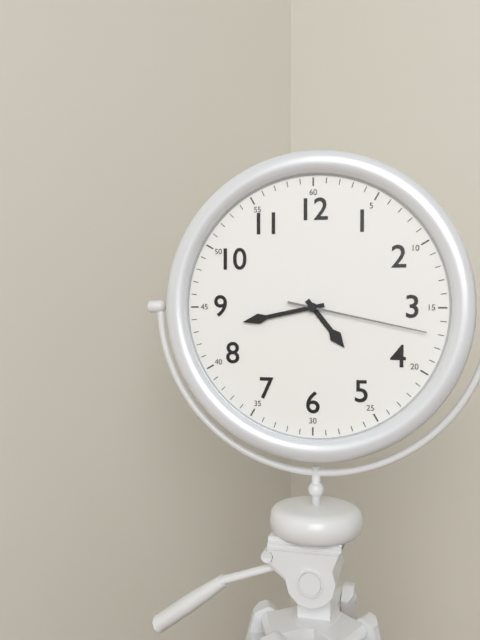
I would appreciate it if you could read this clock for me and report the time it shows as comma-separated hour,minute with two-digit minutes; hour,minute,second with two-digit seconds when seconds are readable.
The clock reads 4,43,17
